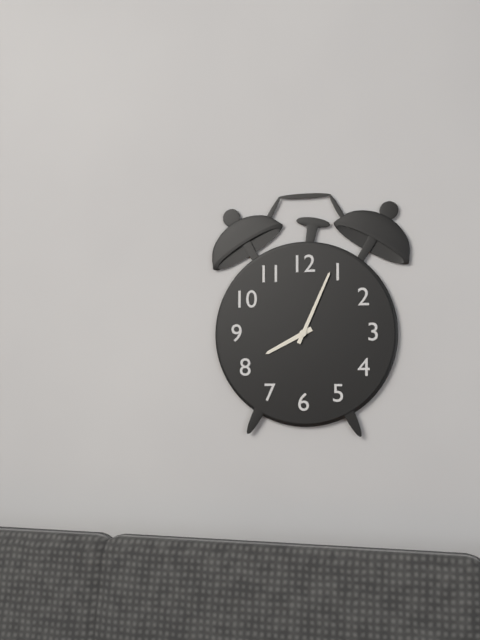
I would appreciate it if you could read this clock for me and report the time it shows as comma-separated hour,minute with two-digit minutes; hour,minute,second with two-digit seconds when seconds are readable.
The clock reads 8,04
